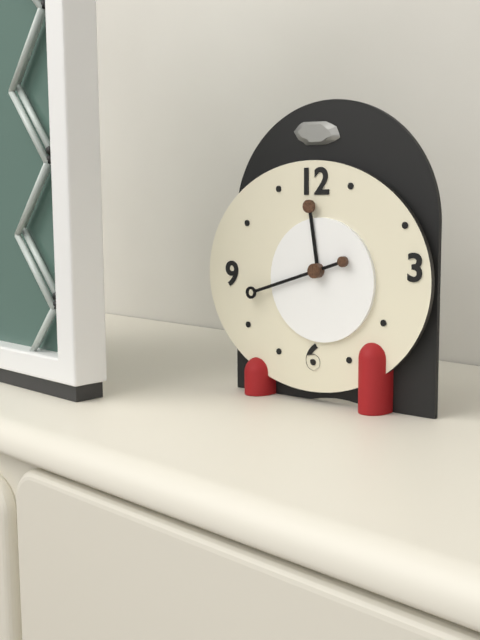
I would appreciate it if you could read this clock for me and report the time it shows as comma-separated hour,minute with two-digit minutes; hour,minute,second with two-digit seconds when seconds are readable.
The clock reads 11,42
